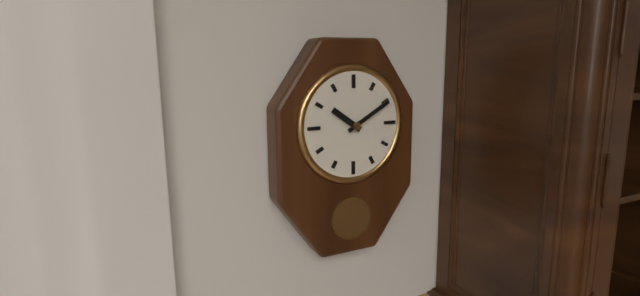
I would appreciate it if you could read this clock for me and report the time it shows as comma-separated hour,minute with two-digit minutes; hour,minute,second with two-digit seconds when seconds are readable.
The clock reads 10,10
